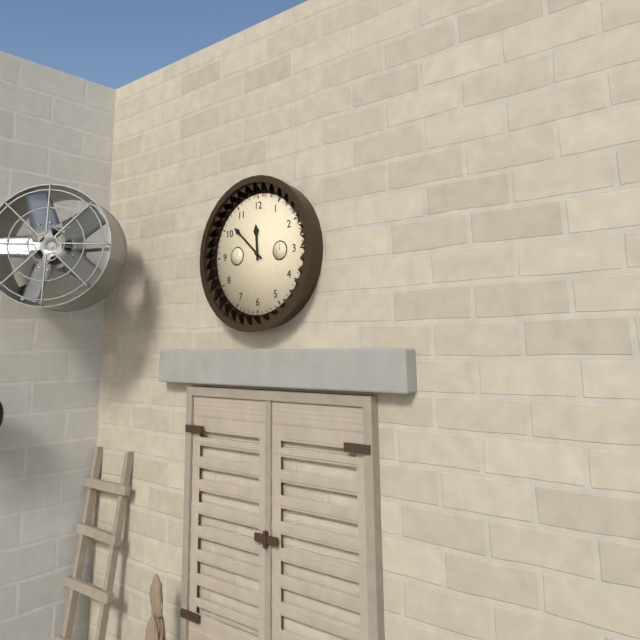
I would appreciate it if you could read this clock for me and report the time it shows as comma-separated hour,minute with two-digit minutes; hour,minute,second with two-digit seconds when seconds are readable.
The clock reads 11,52
